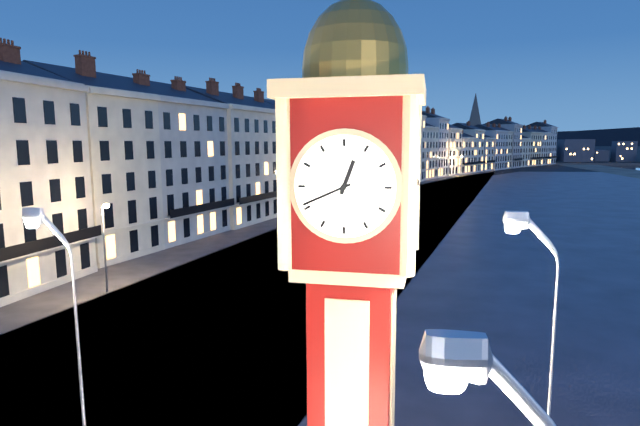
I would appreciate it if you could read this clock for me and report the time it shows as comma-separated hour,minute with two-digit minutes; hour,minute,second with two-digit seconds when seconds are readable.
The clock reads 12,41
